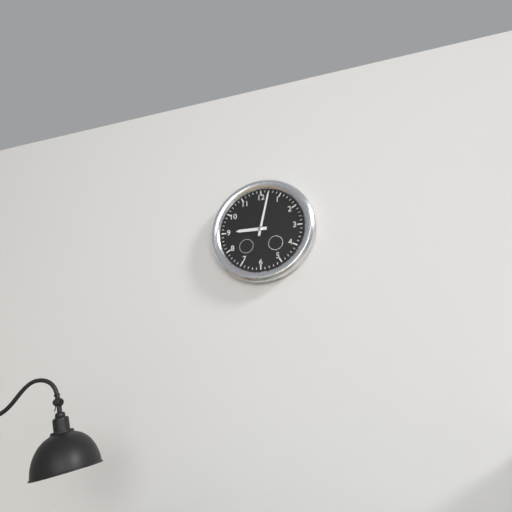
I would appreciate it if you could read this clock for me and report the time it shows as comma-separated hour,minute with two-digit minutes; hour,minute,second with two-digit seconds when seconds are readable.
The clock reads 9,02
